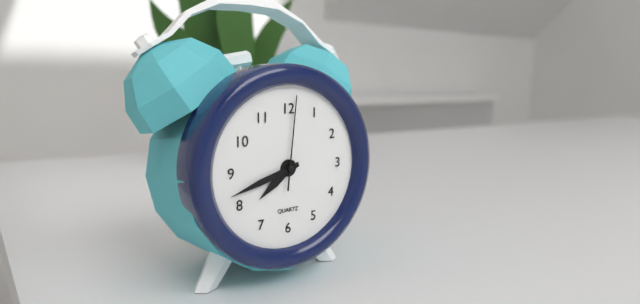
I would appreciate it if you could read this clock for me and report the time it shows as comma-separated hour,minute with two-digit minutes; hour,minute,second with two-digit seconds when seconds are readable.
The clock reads 7,42,01
